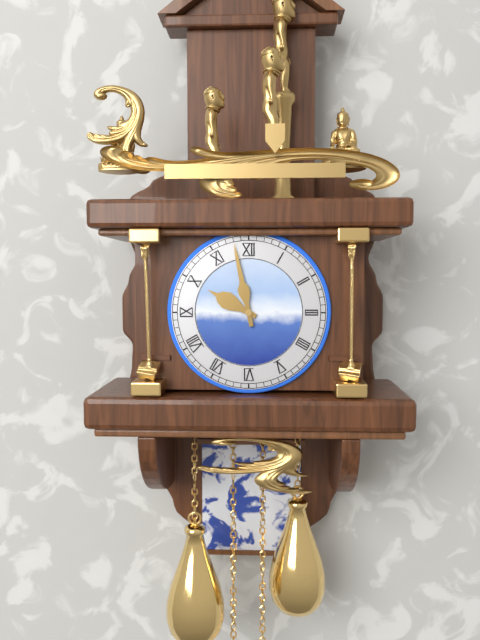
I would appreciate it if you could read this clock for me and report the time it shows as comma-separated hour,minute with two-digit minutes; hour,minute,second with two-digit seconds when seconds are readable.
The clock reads 9,58
